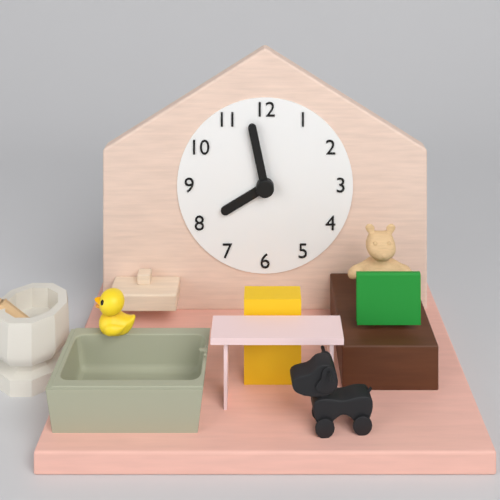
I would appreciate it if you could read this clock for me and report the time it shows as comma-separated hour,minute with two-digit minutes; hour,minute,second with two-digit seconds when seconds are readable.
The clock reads 7,58
